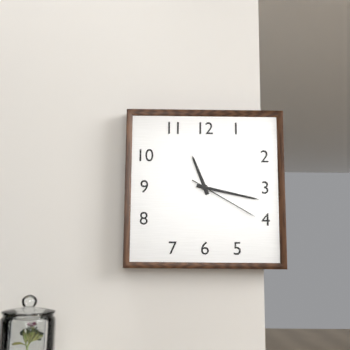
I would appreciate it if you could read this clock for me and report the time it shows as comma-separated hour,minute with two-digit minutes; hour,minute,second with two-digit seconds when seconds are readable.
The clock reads 11,17,20
